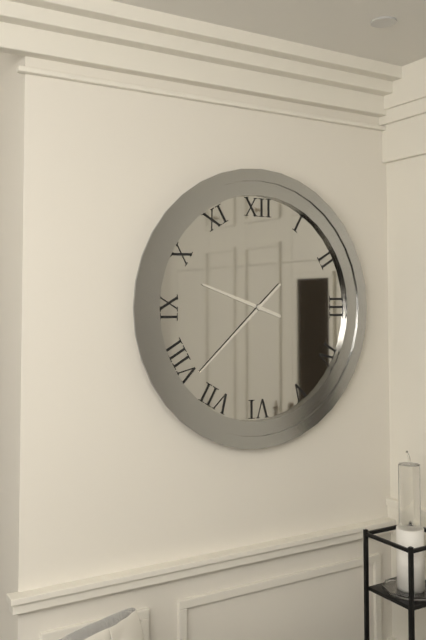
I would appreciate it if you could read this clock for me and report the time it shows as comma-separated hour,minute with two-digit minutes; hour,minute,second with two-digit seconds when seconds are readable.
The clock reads 9,38
